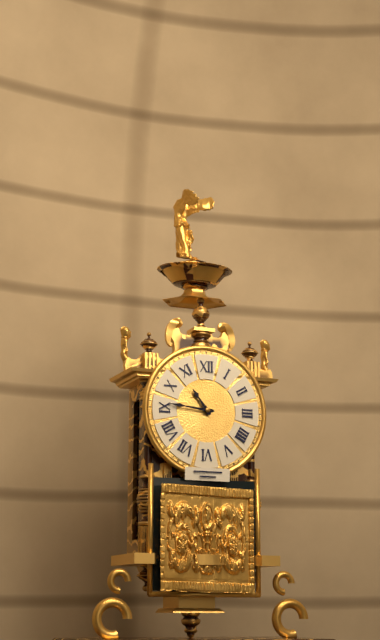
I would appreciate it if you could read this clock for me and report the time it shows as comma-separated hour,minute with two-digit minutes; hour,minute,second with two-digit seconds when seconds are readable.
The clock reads 10,46
